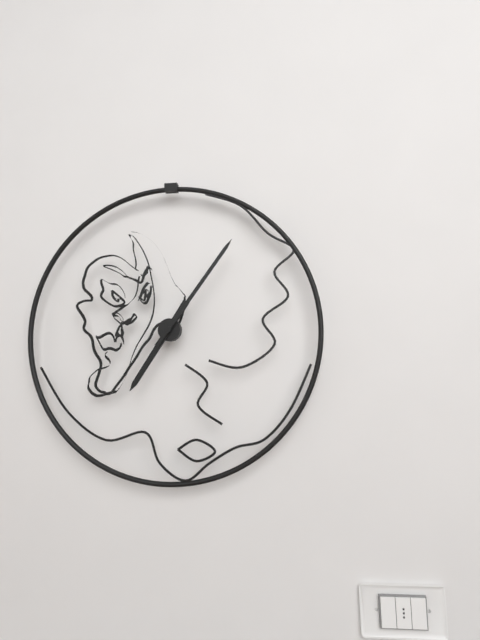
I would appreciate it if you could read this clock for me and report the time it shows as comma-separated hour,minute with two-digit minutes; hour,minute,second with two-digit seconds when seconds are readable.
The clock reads 7,06
